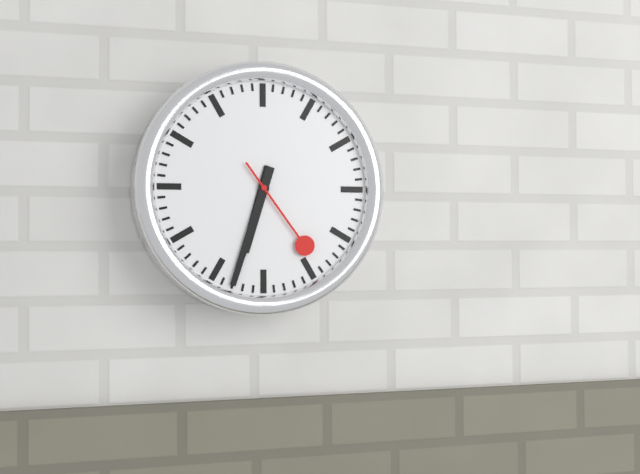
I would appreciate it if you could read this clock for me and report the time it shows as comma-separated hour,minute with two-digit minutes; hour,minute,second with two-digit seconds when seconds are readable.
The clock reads 6,33,24
